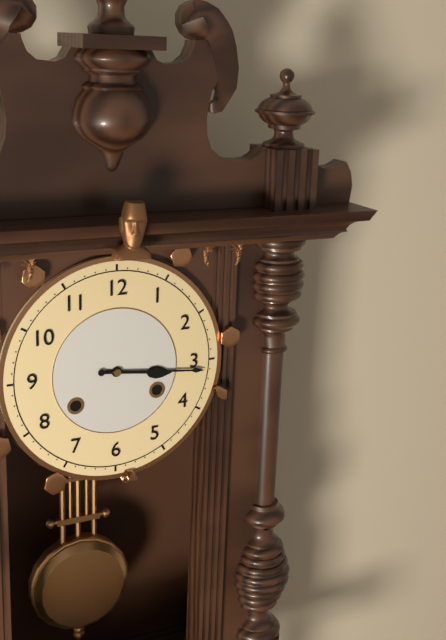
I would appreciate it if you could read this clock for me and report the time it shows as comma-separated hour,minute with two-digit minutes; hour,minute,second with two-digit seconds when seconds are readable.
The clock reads 3,16
